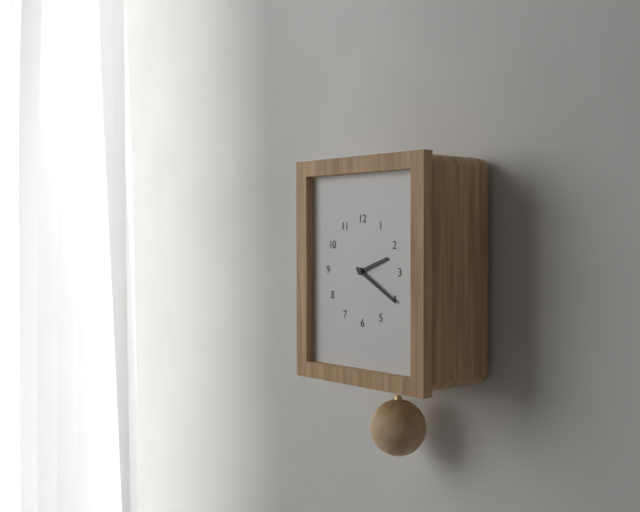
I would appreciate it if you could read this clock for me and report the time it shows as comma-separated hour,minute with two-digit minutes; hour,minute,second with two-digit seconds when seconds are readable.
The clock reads 2,20
